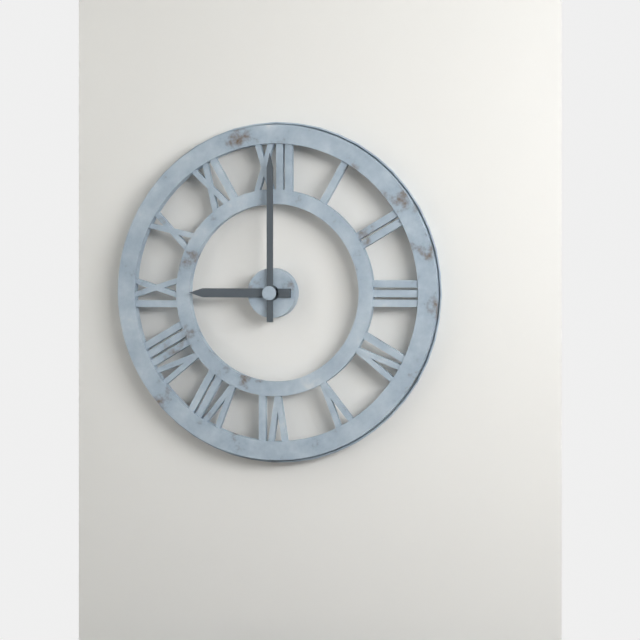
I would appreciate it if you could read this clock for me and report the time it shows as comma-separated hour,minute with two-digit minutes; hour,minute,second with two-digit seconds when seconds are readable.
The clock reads 9,00
